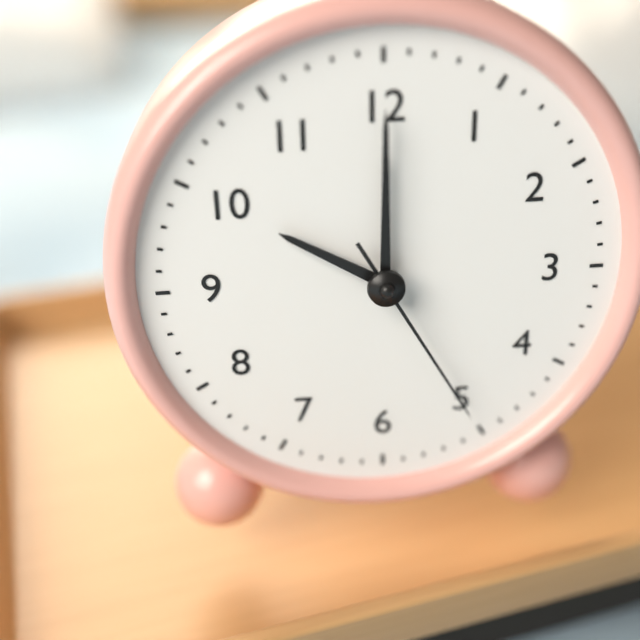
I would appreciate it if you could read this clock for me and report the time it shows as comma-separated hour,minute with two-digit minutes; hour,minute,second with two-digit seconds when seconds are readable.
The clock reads 10,00,25
